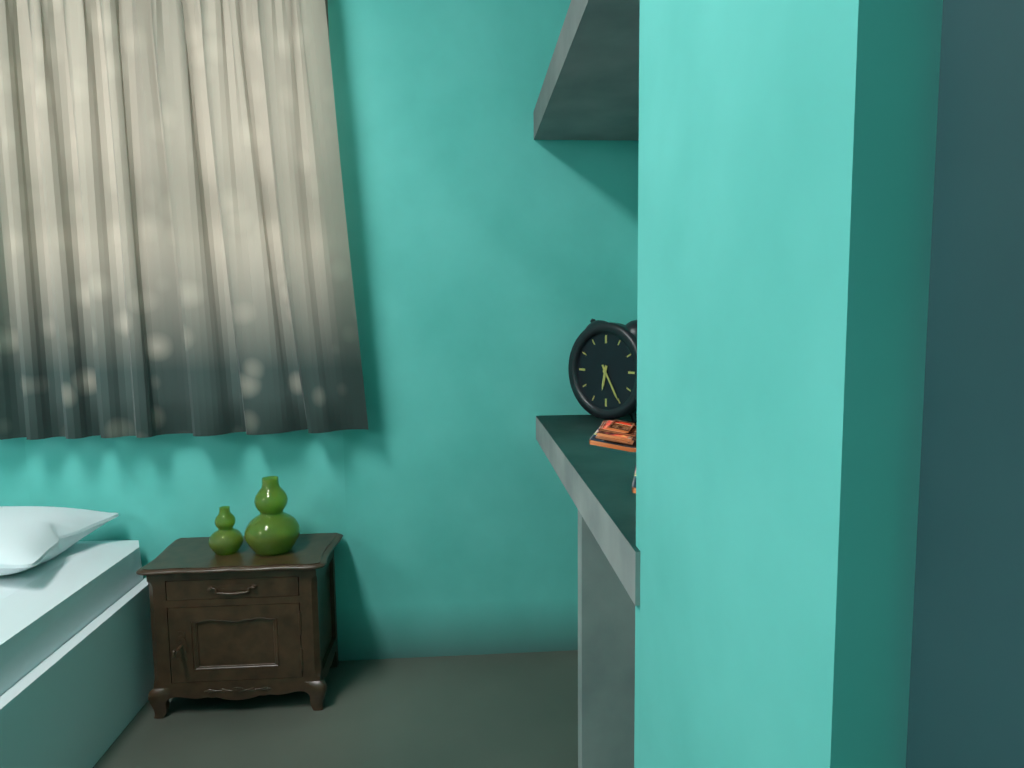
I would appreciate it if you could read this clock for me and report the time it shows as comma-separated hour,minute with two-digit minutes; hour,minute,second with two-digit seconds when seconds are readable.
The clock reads 6,25
